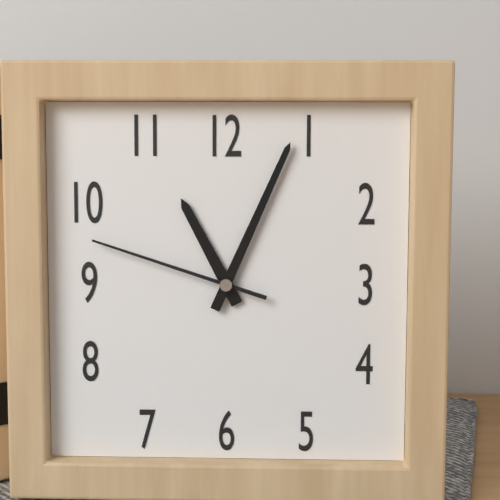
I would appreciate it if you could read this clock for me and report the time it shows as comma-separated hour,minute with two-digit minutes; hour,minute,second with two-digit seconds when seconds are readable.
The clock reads 11,04,48
